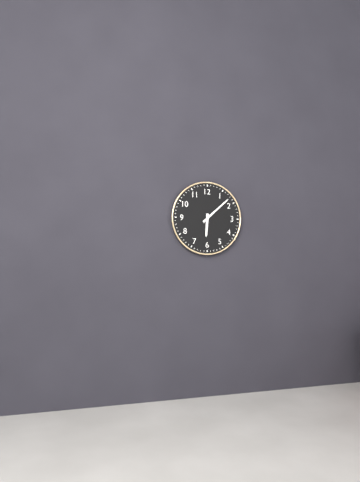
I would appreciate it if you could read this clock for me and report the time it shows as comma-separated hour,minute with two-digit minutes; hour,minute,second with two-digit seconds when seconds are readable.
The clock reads 6,08
